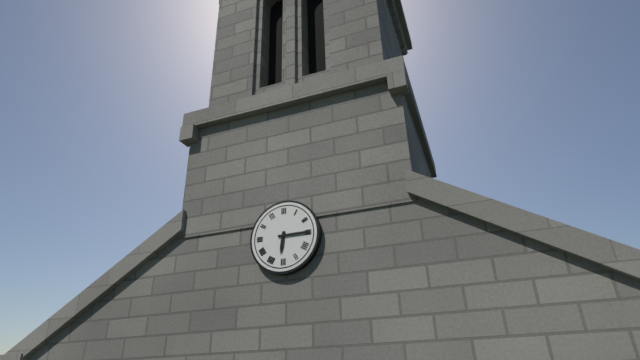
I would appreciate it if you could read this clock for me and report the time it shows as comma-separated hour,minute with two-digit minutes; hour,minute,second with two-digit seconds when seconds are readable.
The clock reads 6,15
